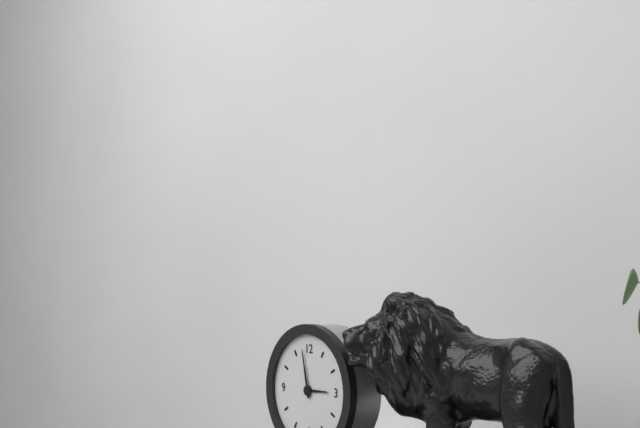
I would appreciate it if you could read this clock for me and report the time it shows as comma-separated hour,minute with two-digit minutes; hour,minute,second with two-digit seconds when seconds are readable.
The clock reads 2,58
